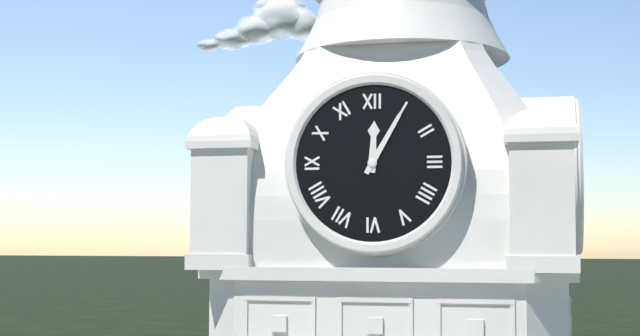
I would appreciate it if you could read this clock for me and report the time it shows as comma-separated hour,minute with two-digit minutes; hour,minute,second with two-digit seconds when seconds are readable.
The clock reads 12,05
